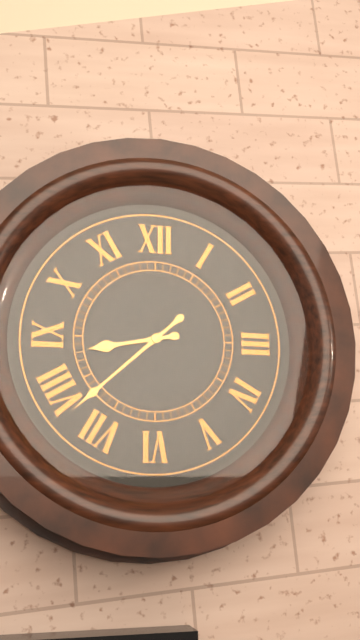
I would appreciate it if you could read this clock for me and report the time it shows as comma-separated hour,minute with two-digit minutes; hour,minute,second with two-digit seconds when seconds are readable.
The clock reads 8,38
